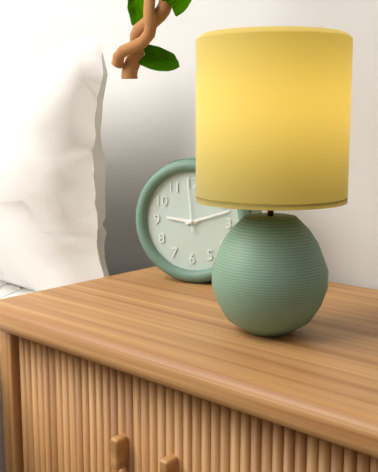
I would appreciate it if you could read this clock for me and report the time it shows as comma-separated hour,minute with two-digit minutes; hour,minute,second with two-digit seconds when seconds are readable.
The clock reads 9,12,59
